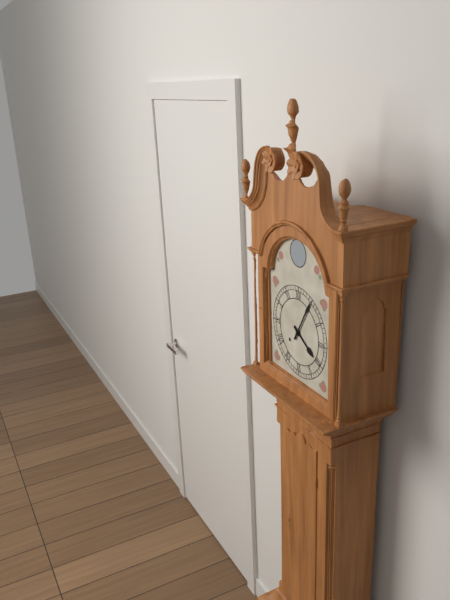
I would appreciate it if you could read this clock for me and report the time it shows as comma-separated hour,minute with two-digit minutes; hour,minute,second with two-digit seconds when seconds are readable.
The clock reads 4,05
